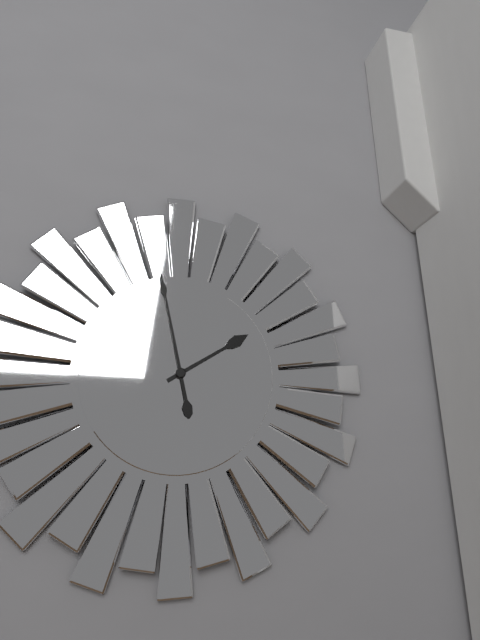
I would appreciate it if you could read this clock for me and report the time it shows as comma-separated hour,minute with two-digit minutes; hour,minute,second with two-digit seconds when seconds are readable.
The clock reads 1,58
